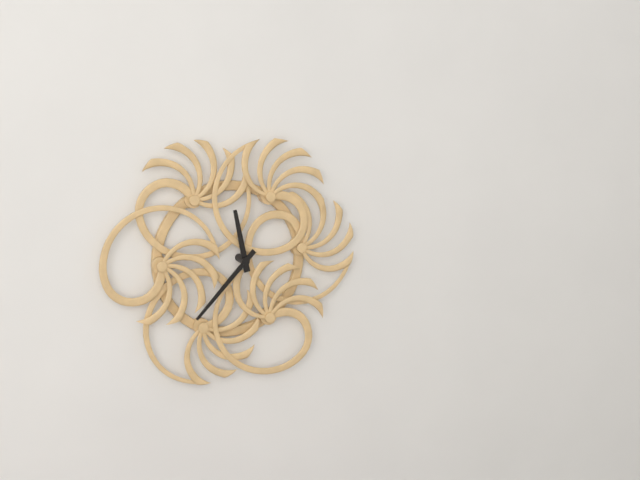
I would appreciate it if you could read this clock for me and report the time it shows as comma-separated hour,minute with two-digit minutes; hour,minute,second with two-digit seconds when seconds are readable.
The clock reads 11,37
